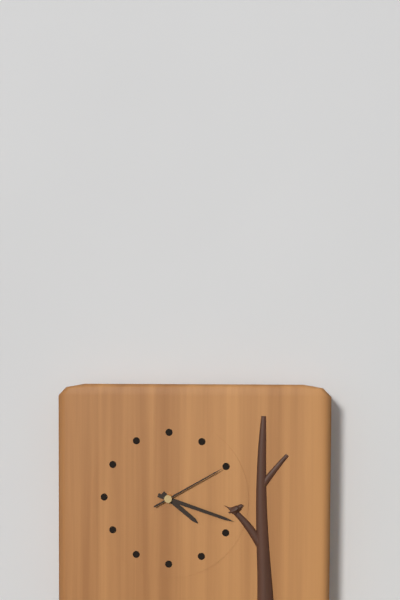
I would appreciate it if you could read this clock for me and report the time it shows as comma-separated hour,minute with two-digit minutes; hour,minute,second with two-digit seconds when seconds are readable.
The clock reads 4,18,10
